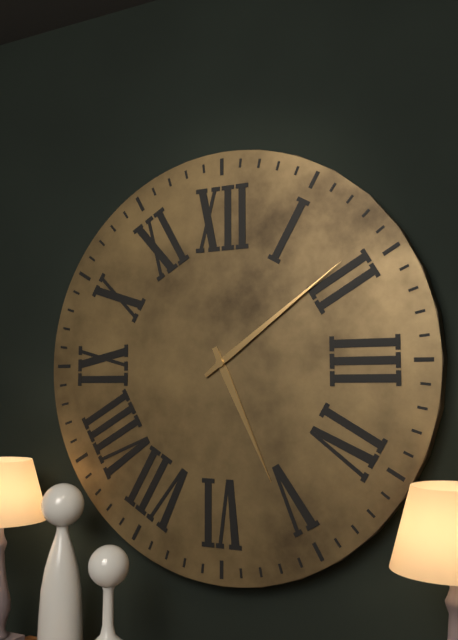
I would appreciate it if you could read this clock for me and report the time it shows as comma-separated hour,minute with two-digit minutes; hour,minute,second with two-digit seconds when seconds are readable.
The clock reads 5,09
